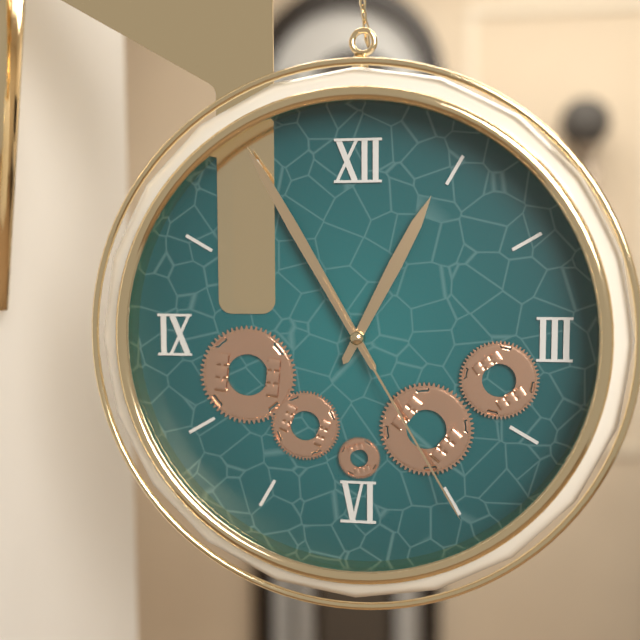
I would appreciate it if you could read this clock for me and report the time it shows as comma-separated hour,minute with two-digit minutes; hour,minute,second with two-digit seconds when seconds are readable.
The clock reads 12,55,25
